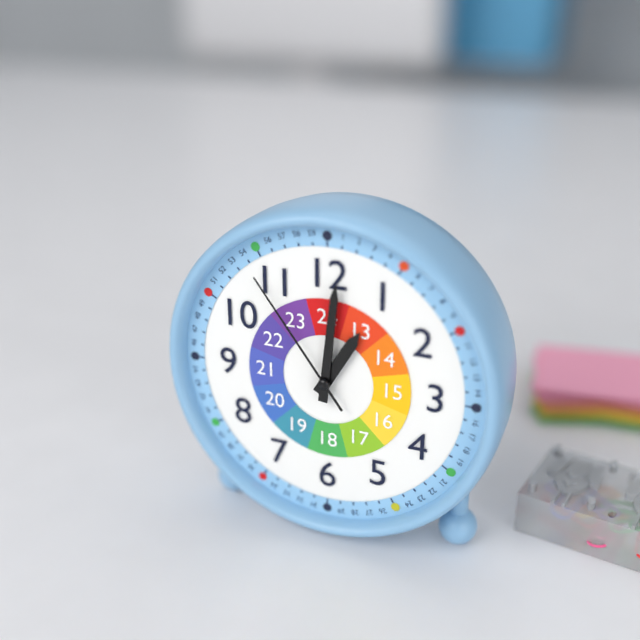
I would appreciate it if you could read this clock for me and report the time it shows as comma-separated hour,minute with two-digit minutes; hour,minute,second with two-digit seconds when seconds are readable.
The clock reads 1,01,54
